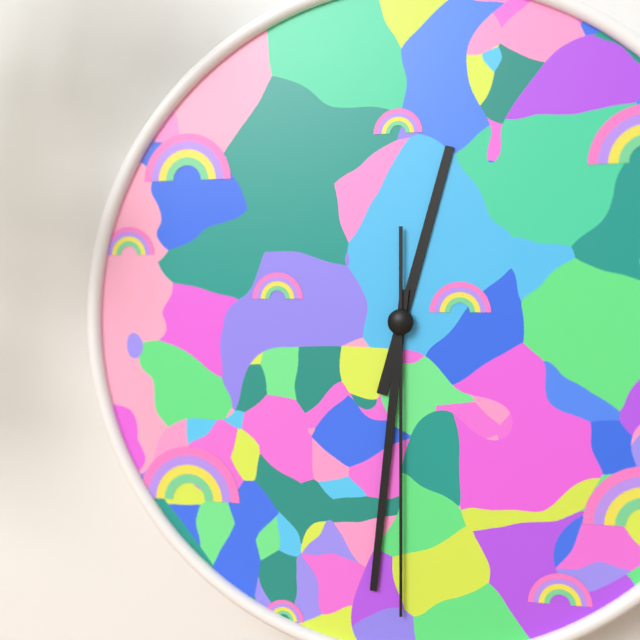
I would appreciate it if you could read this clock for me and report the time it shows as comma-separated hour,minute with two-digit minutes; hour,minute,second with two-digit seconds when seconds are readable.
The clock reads 12,31,30
